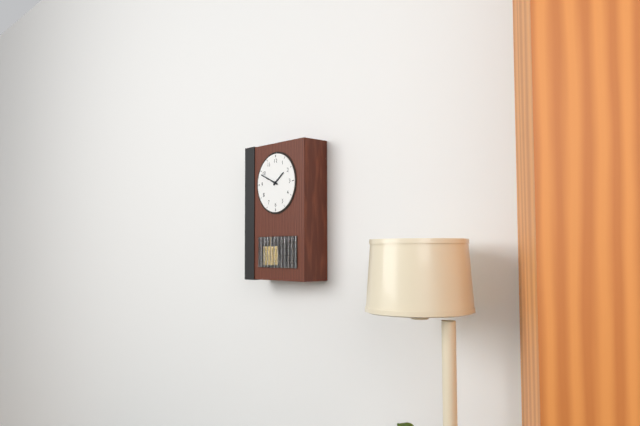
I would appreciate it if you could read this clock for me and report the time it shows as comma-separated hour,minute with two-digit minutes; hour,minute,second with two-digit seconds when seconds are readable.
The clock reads 1,49
